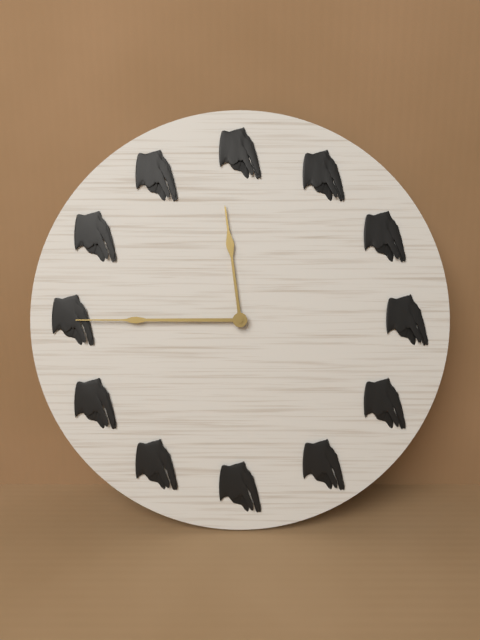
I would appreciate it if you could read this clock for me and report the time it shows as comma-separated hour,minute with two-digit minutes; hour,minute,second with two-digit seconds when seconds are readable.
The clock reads 11,45
